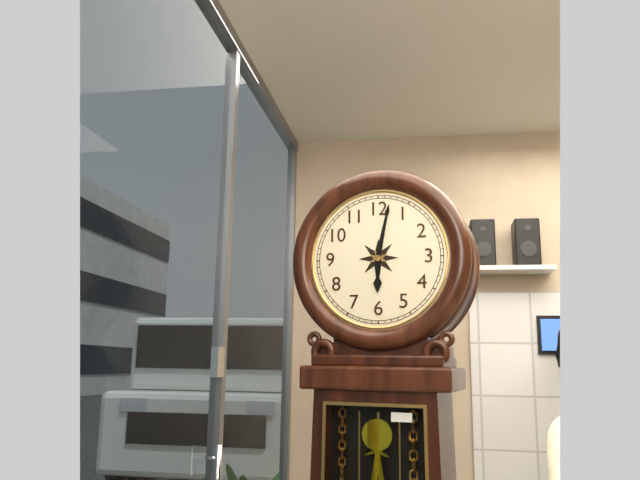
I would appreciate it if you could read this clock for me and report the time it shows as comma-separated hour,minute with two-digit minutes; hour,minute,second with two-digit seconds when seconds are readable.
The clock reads 6,02
